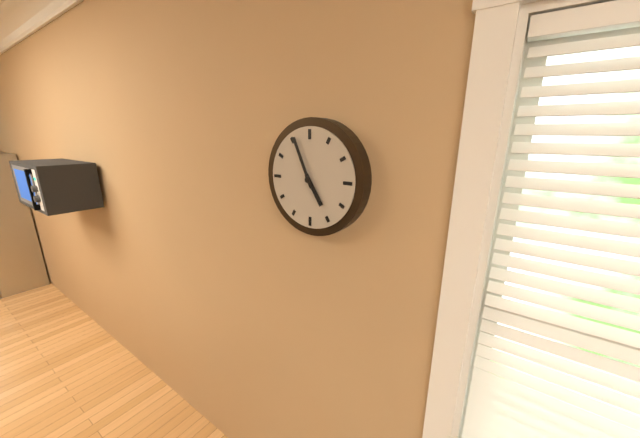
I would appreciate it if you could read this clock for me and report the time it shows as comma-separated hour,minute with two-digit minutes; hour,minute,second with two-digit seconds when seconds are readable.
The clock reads 4,56
